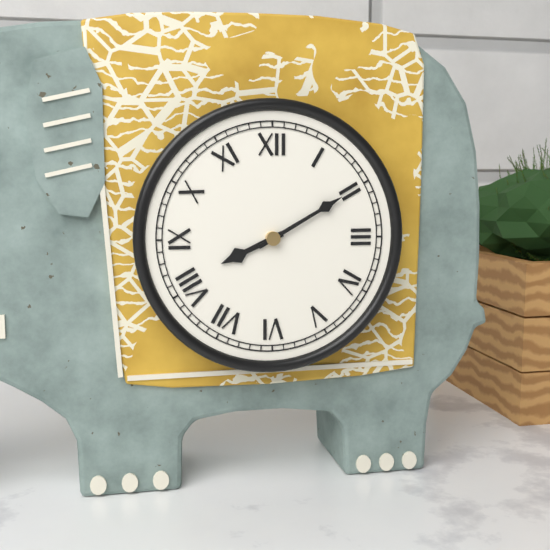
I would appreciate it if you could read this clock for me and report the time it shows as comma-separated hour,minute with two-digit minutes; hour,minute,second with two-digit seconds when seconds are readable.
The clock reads 8,10
